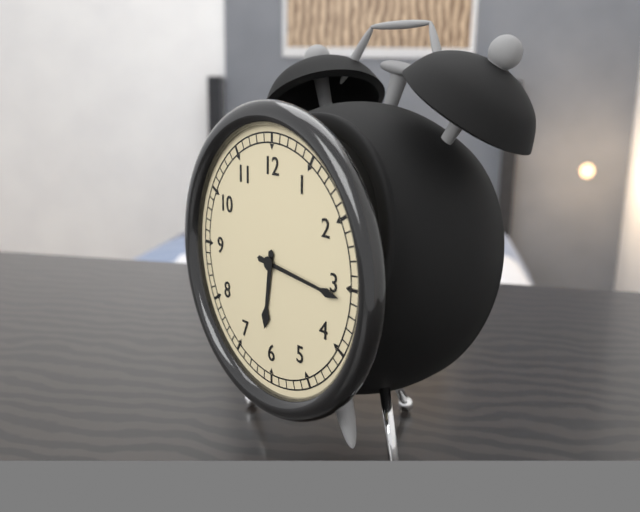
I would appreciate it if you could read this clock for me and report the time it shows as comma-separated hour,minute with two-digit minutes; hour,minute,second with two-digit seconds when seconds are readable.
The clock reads 6,16
